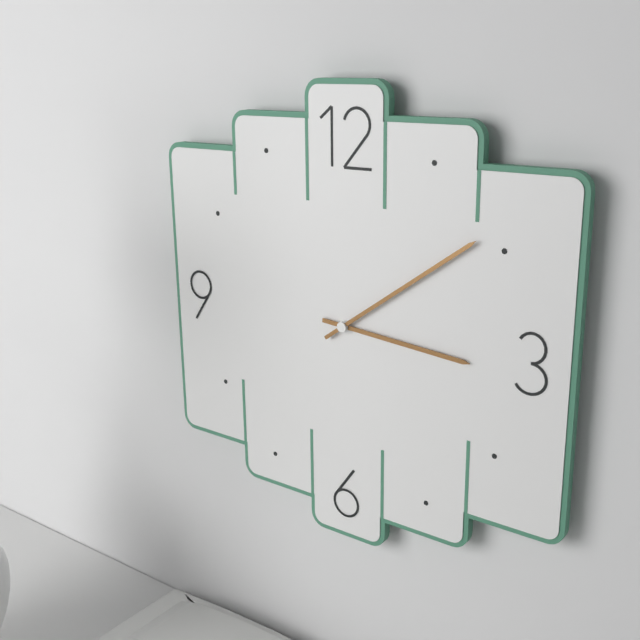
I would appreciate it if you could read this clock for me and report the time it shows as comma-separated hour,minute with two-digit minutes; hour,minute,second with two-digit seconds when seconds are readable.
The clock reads 3,09
